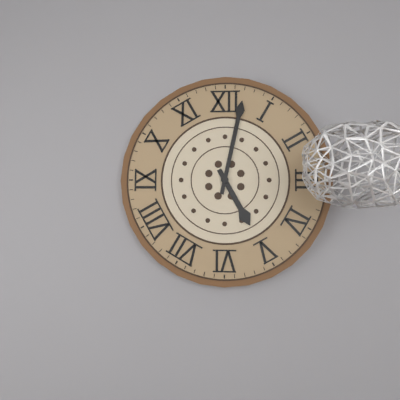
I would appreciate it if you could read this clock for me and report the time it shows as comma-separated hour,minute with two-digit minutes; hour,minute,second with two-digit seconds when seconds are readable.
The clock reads 5,02
